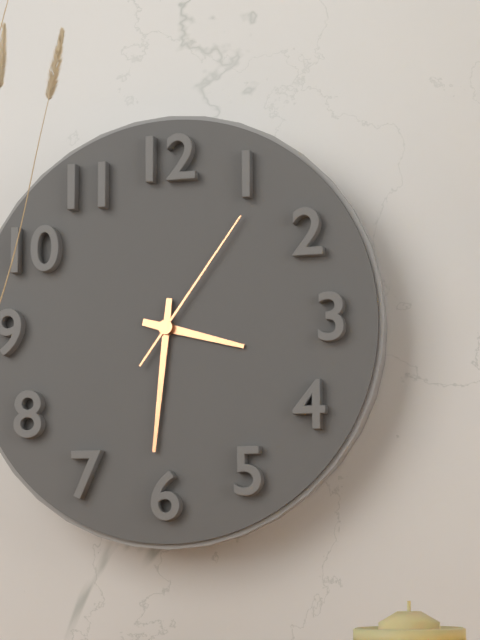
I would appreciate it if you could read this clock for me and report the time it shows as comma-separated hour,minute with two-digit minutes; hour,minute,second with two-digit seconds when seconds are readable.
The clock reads 3,31,06
